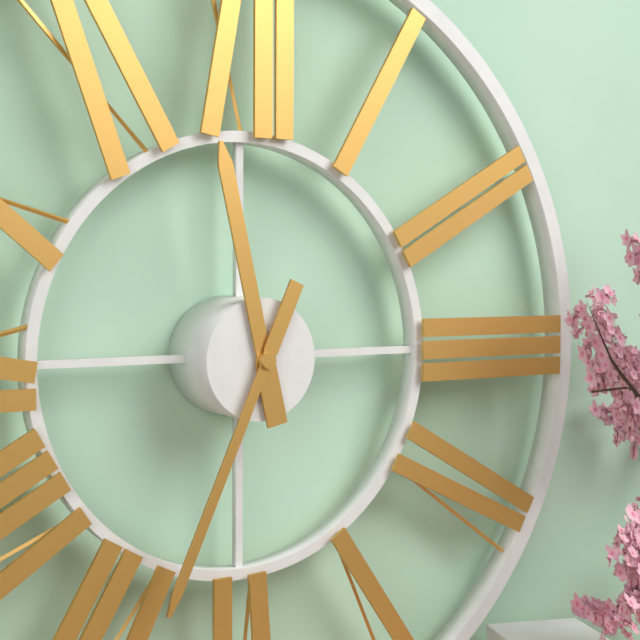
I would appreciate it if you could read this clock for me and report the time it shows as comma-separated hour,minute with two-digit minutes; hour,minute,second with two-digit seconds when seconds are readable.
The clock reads 11,34
